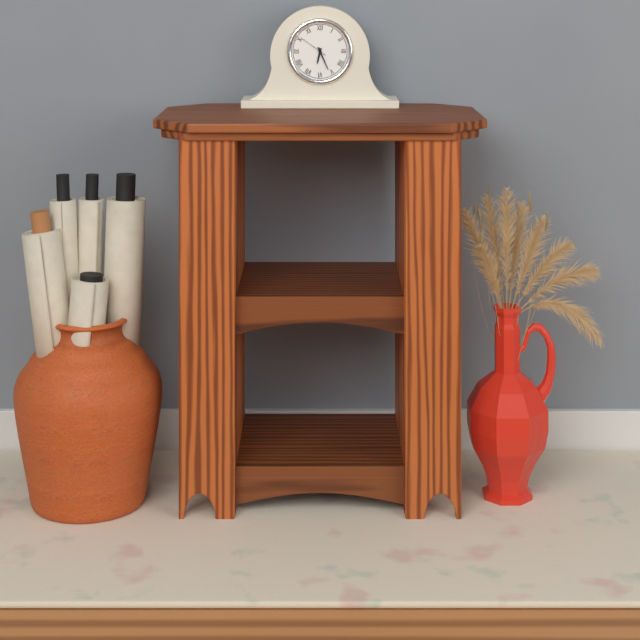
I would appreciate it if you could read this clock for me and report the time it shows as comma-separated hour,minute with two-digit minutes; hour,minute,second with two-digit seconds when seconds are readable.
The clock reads 6,26
